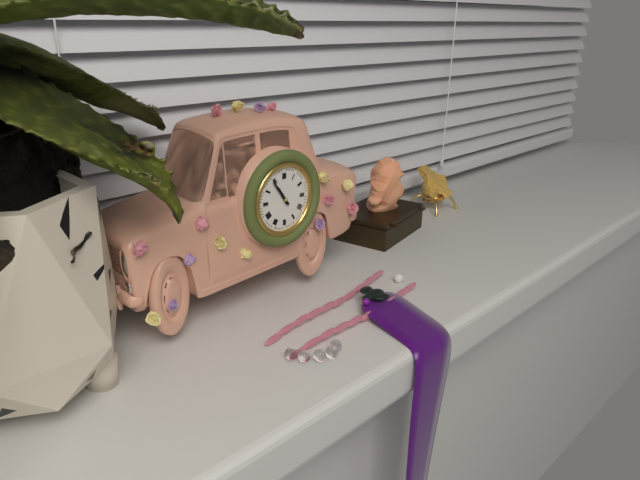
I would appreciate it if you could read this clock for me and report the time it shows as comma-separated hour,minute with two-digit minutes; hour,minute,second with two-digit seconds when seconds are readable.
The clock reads 10,54
